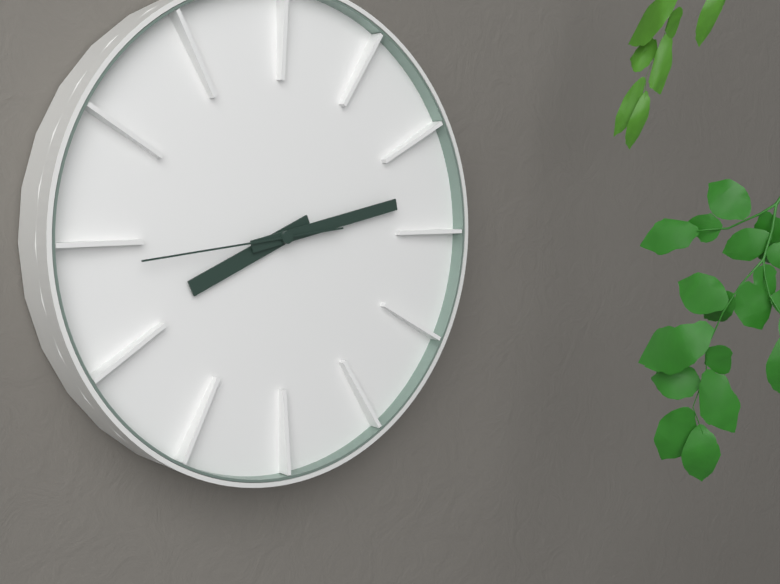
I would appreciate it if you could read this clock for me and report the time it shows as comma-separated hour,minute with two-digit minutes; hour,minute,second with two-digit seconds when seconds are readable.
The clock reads 8,13,44
